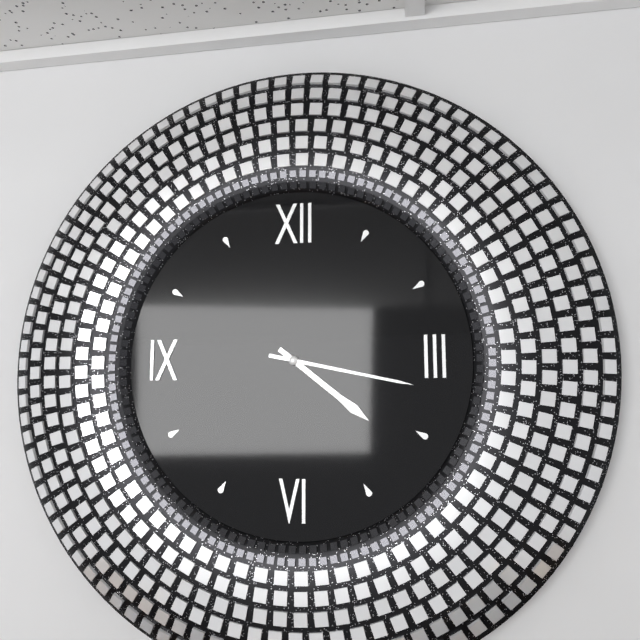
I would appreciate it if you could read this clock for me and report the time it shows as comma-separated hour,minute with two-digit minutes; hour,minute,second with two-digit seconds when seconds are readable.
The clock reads 4,17
